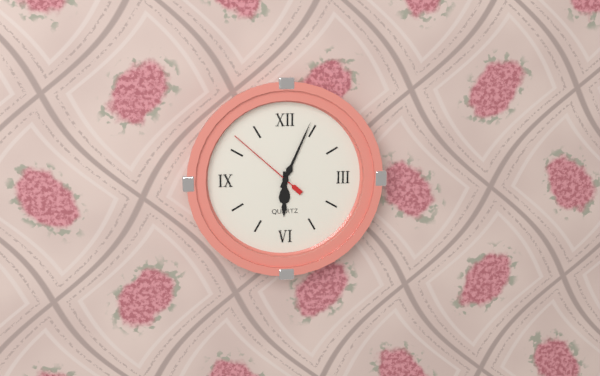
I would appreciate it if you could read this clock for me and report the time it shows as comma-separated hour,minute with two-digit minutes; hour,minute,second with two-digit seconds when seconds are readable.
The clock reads 6,04,52
